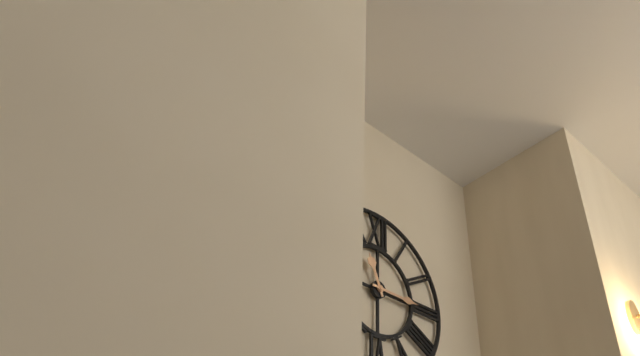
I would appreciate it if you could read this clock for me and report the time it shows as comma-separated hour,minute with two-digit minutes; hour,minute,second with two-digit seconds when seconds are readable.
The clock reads 11,15
